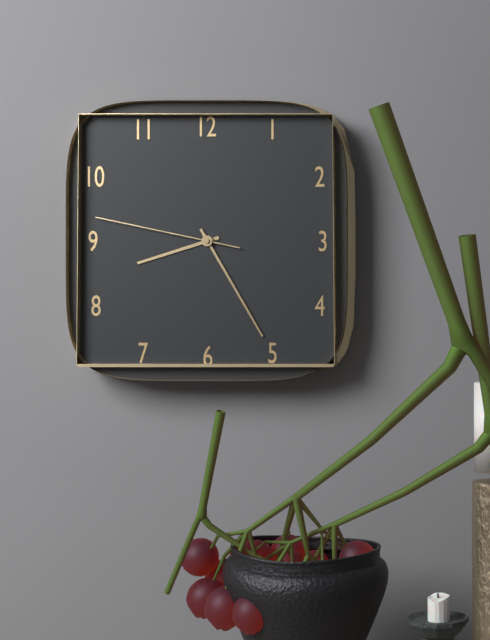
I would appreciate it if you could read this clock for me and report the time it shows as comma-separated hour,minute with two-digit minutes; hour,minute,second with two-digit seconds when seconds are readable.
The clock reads 8,25,47
